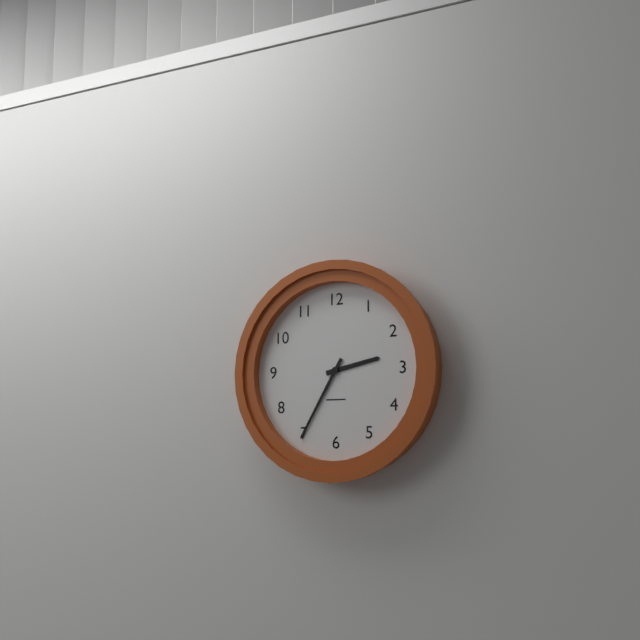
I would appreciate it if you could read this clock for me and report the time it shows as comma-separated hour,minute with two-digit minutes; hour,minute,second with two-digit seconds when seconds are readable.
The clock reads 2,35
